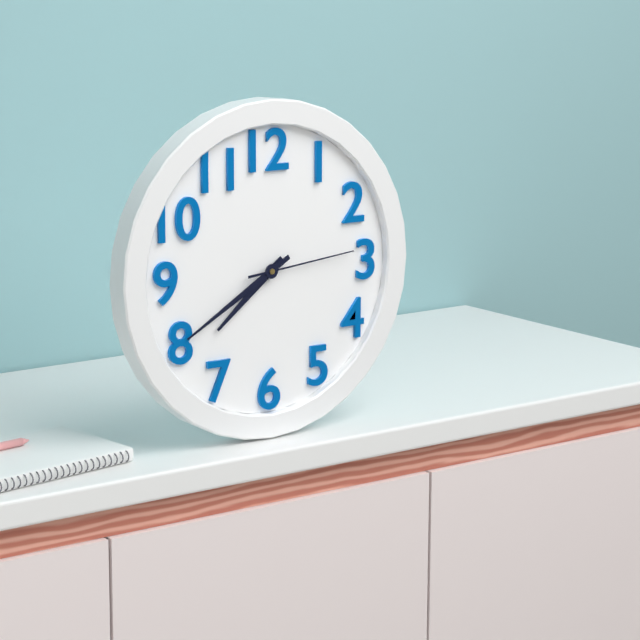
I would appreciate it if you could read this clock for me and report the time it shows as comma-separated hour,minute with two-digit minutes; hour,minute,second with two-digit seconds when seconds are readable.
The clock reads 7,40,14
